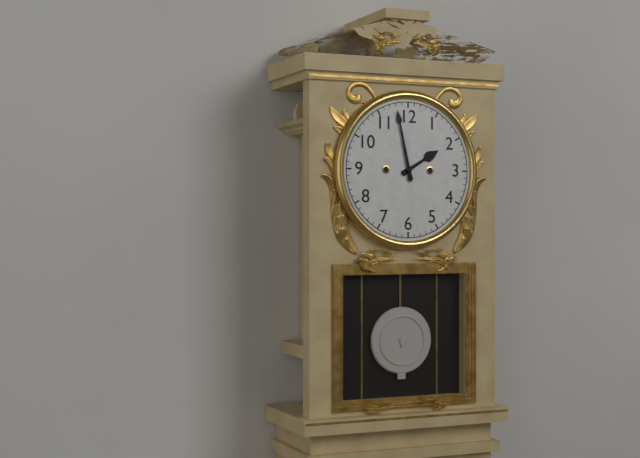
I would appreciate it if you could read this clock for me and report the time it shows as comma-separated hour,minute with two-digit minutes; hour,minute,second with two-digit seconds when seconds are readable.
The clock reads 1,58
